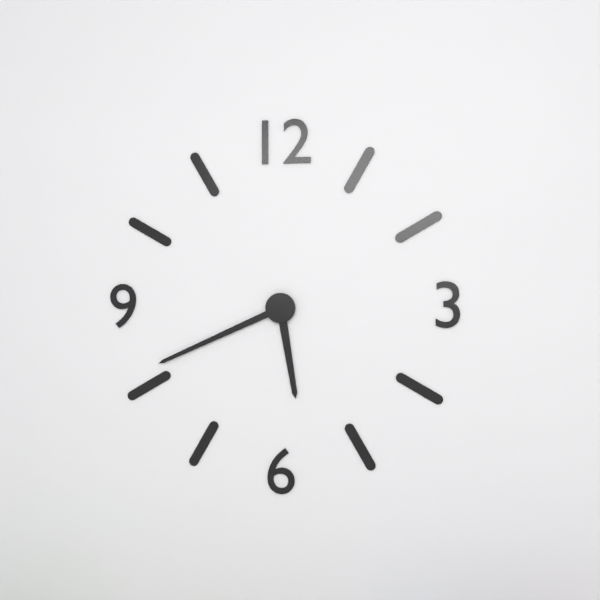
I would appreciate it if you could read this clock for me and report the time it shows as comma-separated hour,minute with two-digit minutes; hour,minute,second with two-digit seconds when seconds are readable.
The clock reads 5,41
